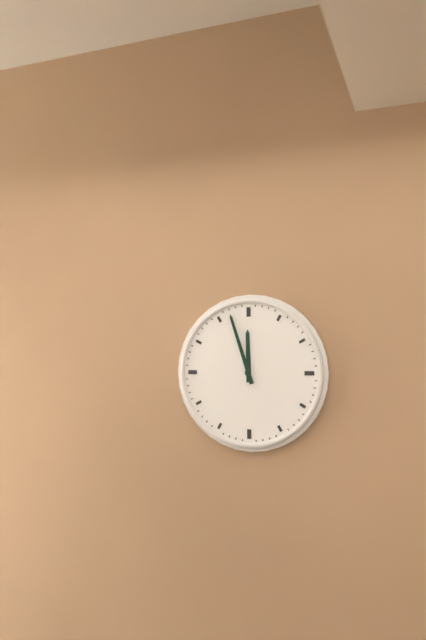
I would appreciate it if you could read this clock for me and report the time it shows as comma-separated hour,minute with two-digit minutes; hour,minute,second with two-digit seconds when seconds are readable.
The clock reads 11,57
